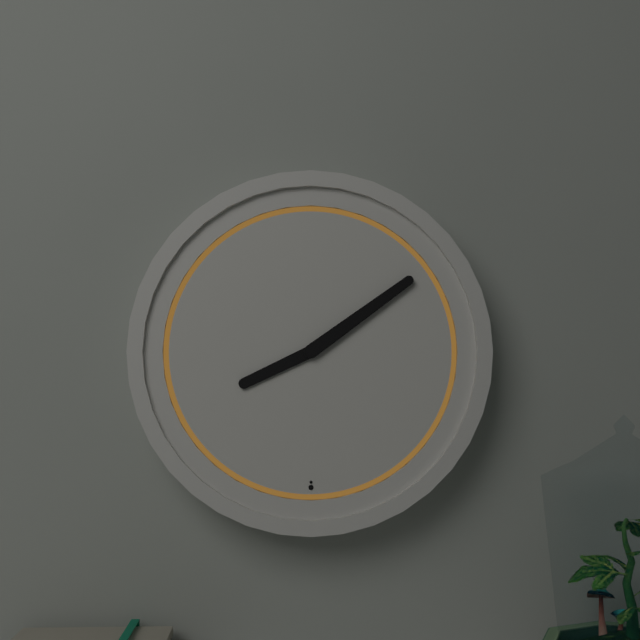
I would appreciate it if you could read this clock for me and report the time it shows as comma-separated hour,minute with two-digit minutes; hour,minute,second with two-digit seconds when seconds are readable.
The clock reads 8,09
